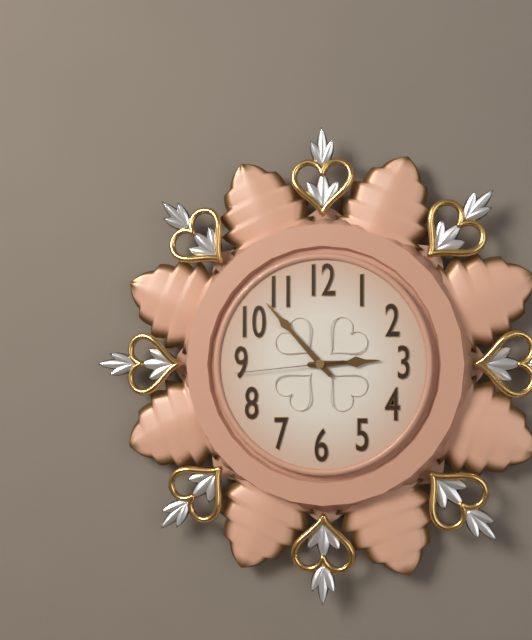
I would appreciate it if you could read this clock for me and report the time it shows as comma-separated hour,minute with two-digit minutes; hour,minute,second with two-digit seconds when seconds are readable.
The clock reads 2,53,44
